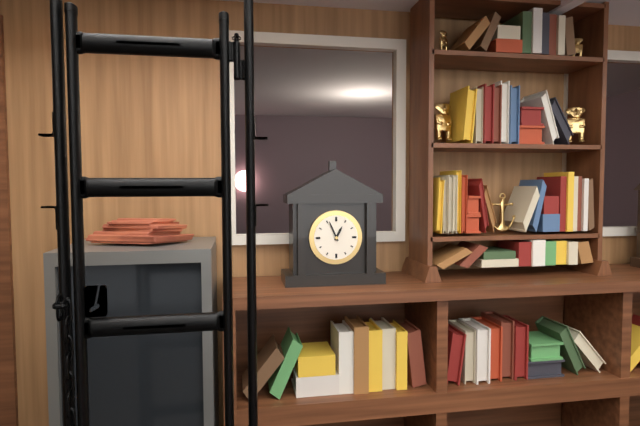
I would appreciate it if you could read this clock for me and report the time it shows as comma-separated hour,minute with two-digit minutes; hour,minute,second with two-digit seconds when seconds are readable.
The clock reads 12,56
